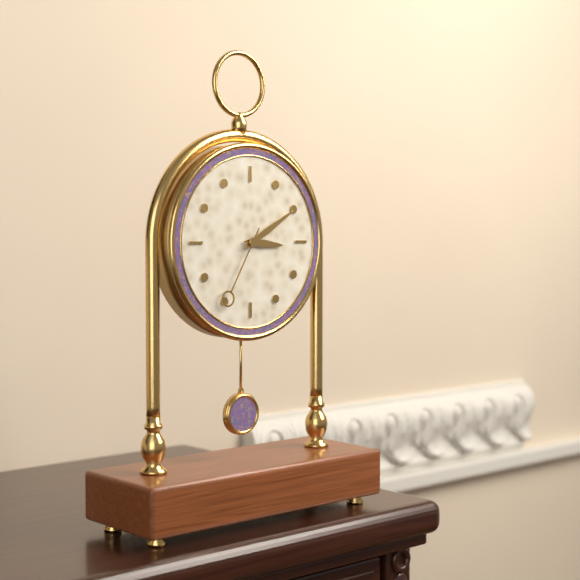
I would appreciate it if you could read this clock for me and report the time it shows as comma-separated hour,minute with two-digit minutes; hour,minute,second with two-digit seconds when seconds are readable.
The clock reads 3,10,35
